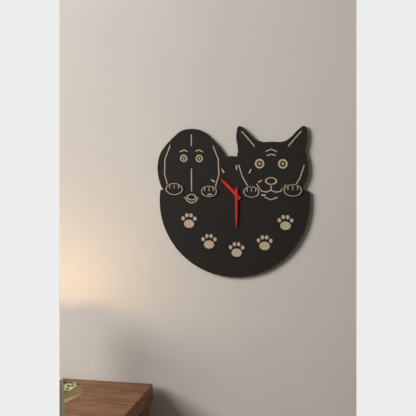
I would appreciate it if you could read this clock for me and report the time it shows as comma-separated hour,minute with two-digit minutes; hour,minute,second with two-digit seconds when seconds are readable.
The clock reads 10,30
